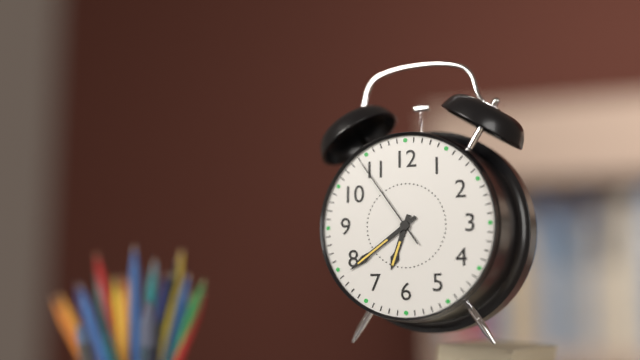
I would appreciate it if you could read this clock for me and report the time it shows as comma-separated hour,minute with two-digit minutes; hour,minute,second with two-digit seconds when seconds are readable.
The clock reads 6,39,54
